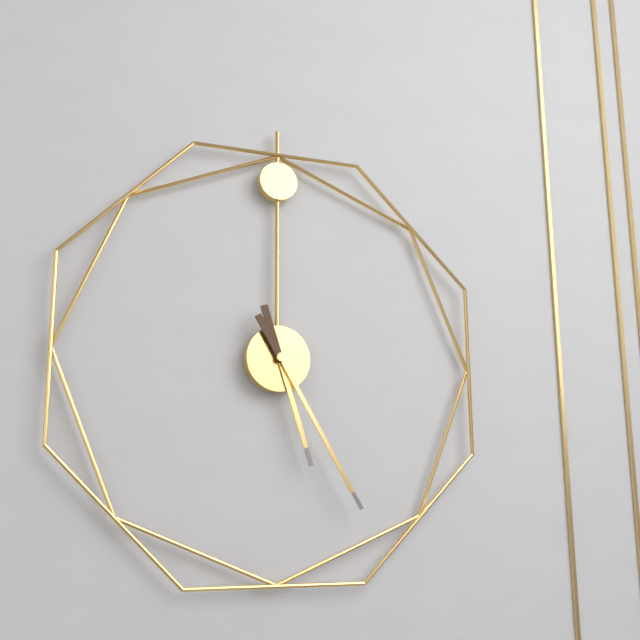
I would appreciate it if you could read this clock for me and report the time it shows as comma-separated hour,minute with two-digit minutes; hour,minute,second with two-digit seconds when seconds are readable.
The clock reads 5,25
